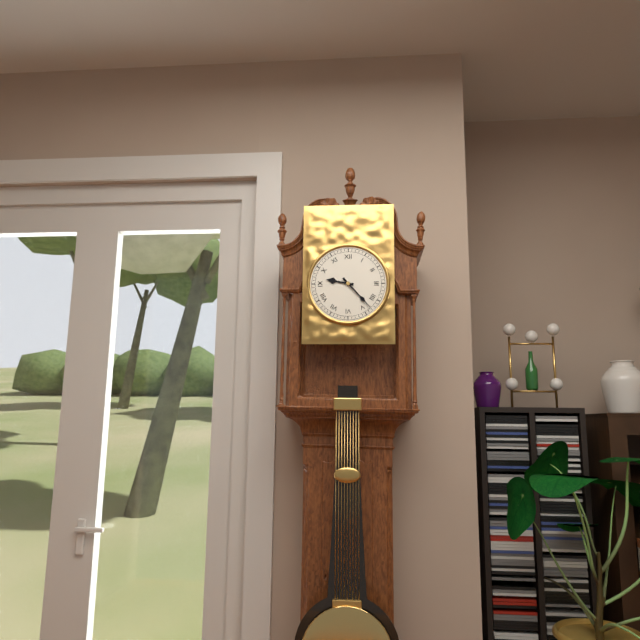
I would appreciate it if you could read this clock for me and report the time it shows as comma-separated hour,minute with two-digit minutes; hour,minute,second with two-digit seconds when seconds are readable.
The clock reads 9,23
